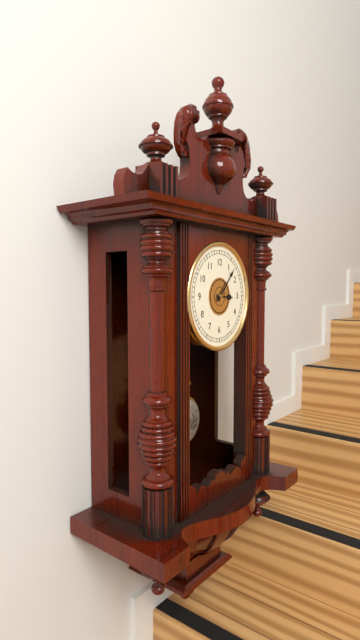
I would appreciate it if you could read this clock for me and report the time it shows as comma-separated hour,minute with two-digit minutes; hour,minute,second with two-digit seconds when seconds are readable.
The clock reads 3,07
